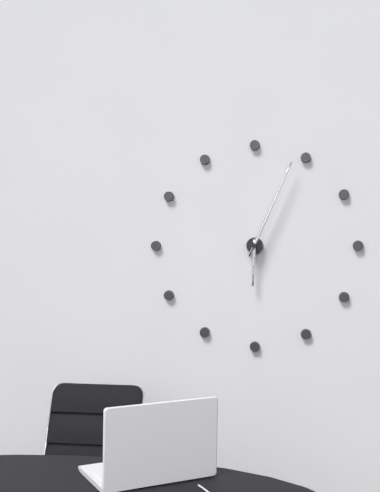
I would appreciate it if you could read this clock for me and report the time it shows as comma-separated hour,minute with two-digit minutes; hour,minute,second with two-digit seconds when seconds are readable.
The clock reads 6,04
